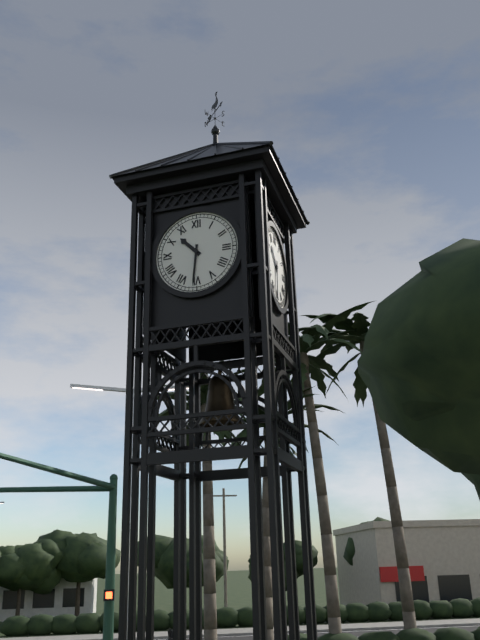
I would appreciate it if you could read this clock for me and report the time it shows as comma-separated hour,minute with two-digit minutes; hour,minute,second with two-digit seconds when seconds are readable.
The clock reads 10,31
